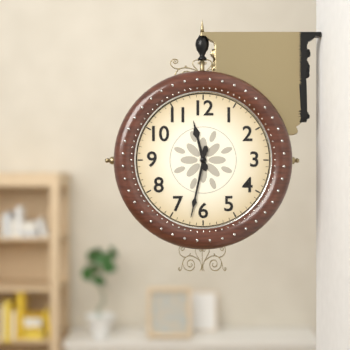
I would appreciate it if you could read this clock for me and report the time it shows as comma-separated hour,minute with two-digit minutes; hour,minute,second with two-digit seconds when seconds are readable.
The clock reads 11,32
